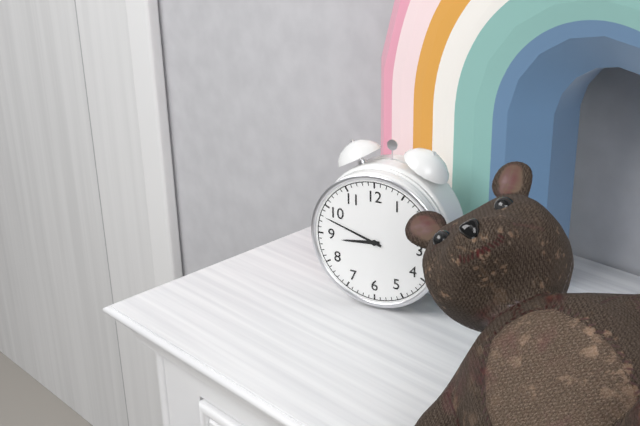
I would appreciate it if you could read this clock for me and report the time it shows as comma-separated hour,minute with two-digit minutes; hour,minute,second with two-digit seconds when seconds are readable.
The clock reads 8,48
